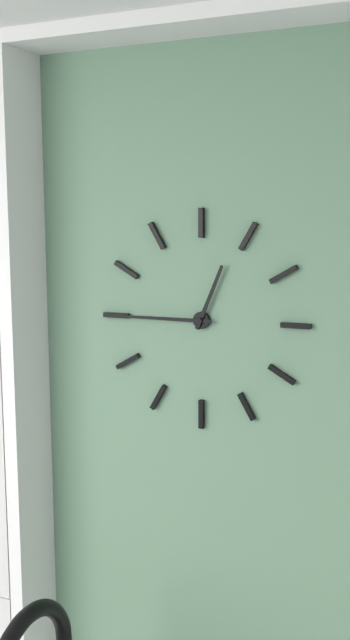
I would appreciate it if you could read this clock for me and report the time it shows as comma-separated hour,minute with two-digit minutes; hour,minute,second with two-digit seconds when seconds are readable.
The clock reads 12,45
